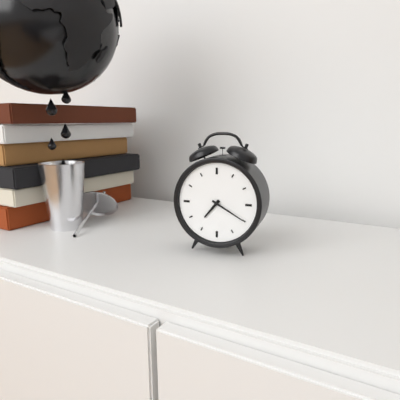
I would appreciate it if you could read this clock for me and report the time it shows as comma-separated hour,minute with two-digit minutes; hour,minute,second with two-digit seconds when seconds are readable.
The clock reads 7,20
